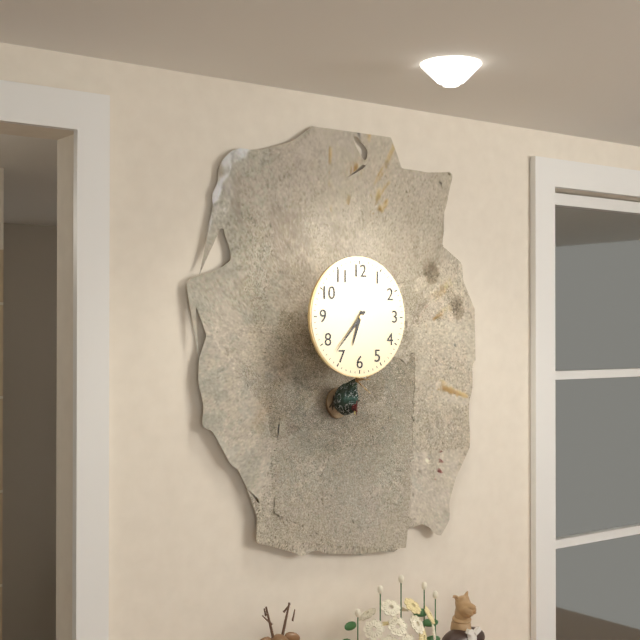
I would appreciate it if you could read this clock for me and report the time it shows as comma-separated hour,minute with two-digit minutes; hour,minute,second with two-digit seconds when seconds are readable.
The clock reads 6,37
